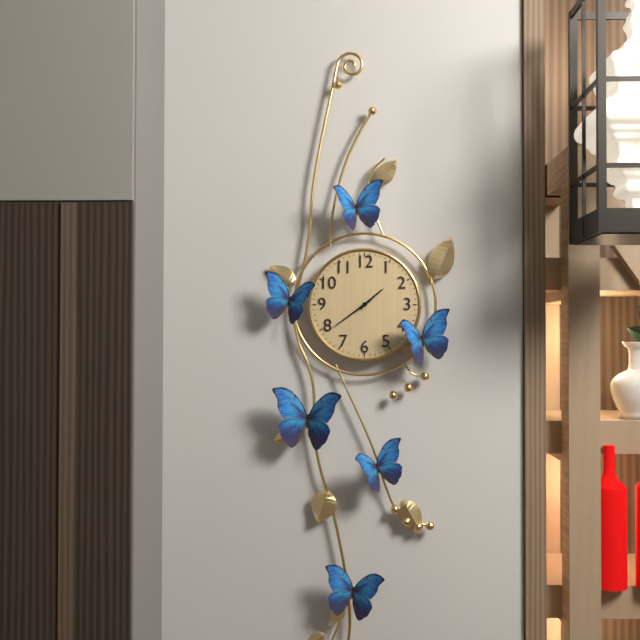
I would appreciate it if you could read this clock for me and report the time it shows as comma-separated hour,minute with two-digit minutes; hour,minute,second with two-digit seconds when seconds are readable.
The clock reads 1,39
